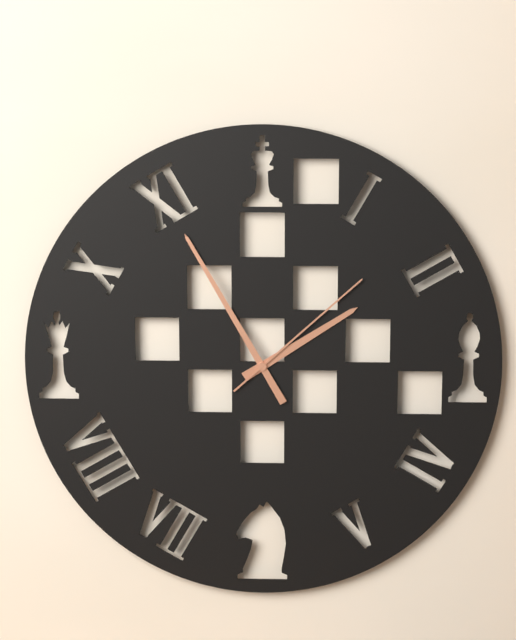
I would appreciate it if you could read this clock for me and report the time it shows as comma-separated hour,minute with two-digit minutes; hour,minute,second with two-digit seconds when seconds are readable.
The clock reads 1,55,08
